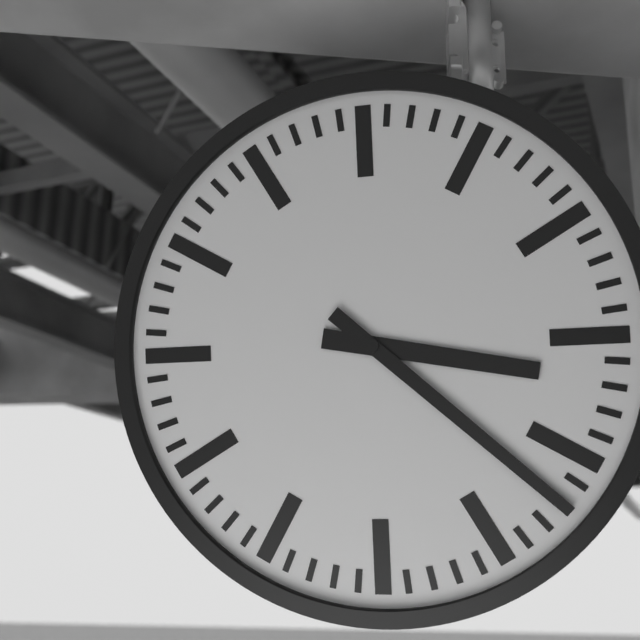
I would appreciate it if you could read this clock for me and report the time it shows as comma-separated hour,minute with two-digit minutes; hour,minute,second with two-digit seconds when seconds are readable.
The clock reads 3,22
